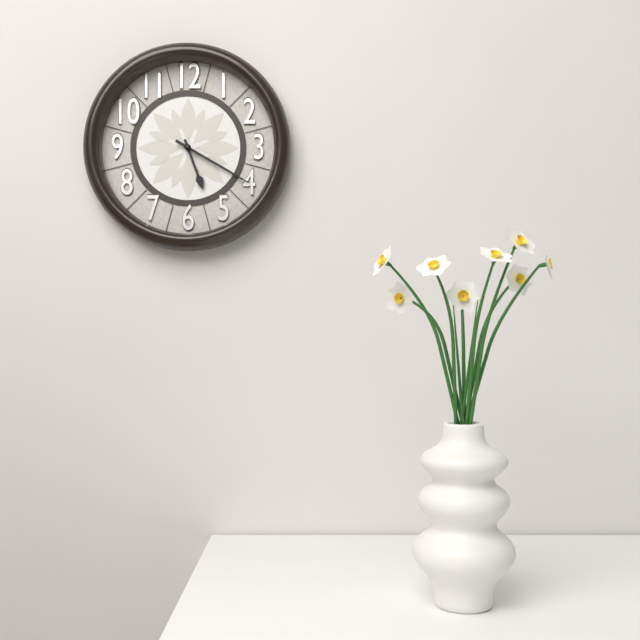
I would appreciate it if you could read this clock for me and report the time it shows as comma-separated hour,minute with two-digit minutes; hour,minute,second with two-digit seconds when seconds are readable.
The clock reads 5,20
